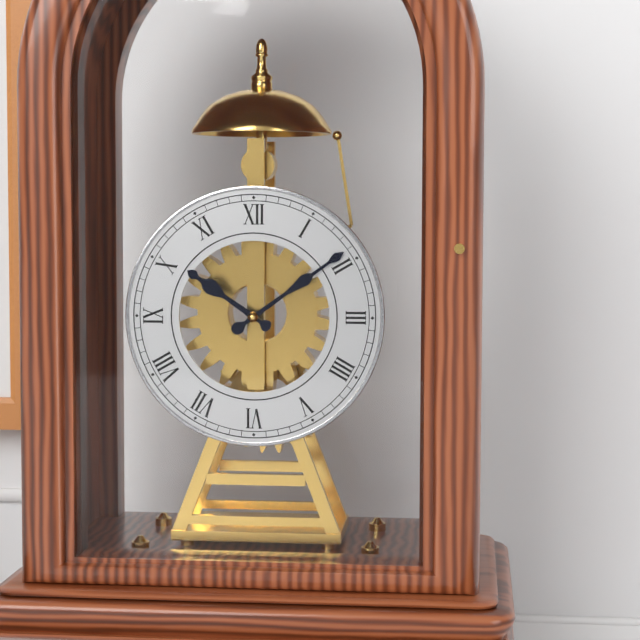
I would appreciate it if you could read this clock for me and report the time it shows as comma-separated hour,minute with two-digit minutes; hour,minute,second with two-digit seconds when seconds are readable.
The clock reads 10,09
